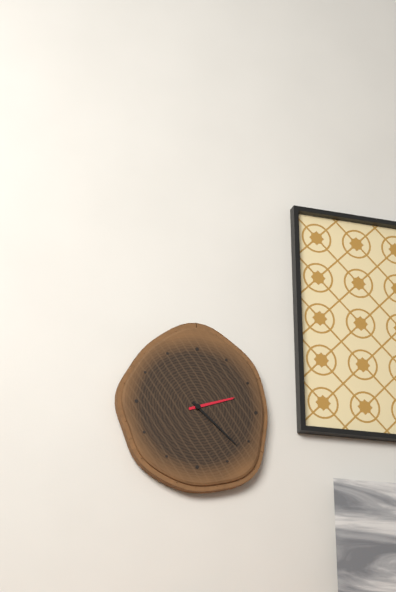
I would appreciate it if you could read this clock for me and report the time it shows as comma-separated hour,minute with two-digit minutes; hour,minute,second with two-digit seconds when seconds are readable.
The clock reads 2,22
